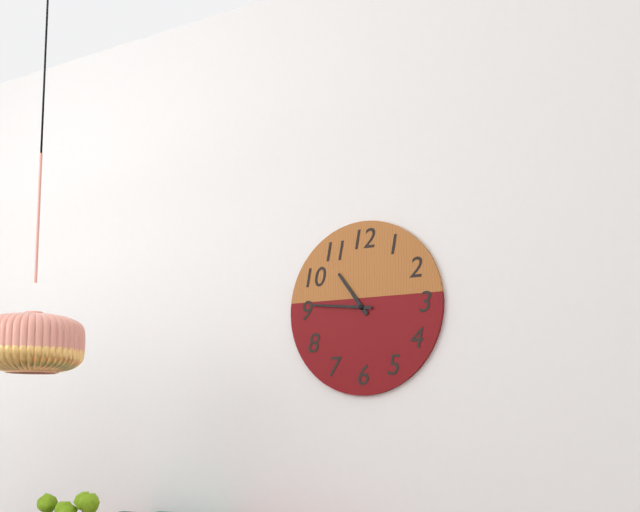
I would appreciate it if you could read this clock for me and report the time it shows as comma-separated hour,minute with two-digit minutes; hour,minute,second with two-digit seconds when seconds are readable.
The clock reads 10,46
